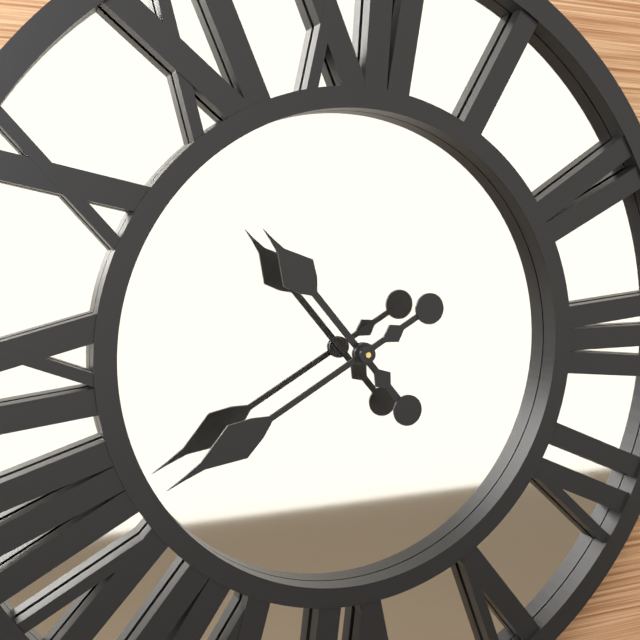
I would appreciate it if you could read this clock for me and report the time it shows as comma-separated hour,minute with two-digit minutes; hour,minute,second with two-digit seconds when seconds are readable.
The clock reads 10,40
